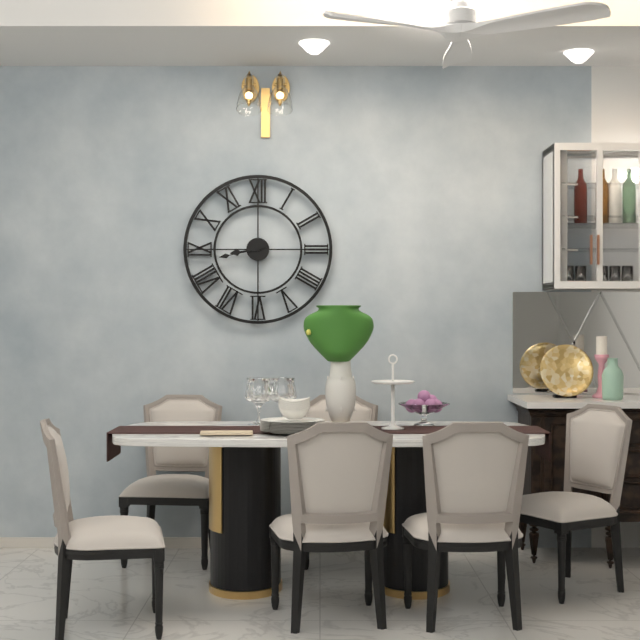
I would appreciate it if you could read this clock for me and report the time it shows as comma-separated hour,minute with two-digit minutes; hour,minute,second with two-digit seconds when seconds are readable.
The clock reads 8,43
